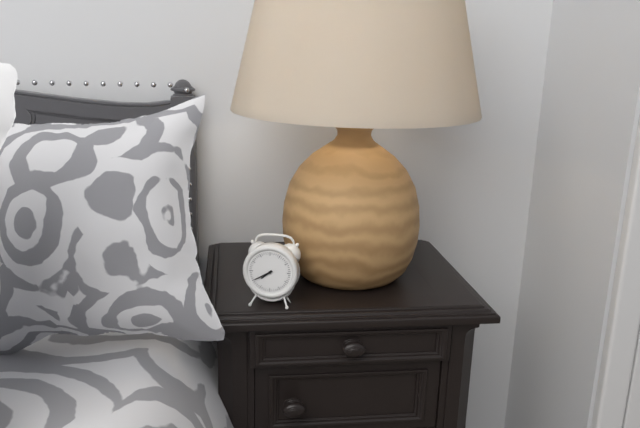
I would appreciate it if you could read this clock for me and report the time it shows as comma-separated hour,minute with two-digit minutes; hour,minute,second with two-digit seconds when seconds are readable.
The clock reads 7,40
